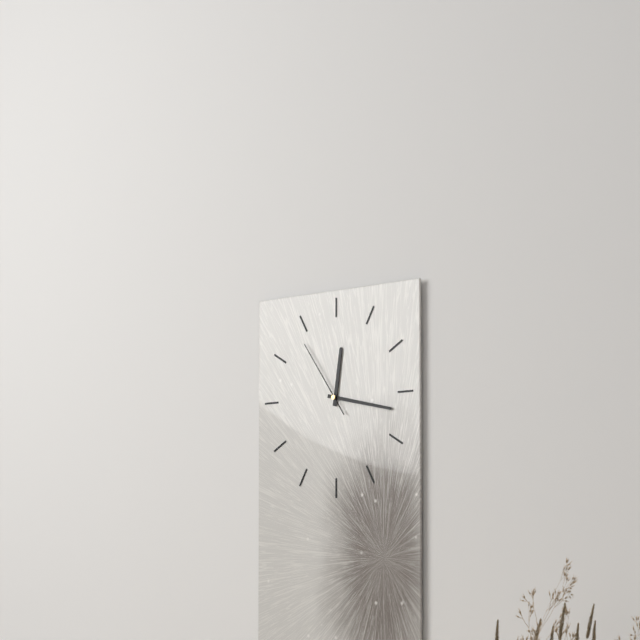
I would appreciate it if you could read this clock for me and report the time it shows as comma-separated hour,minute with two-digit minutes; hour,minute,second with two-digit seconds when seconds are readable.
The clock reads 12,17,54
